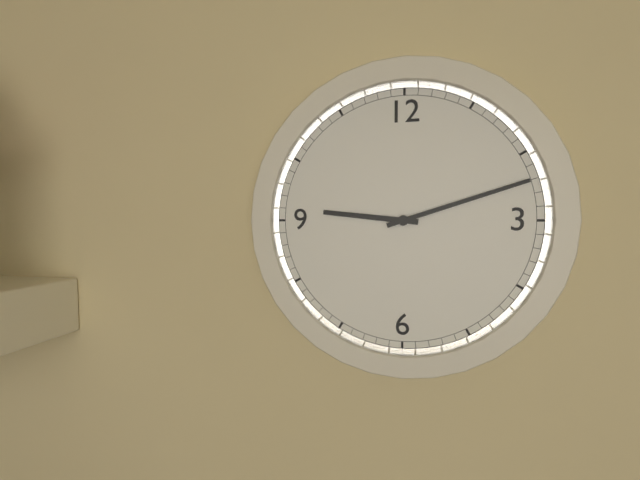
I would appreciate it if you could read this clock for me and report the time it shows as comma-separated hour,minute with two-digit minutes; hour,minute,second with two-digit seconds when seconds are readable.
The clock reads 9,12
